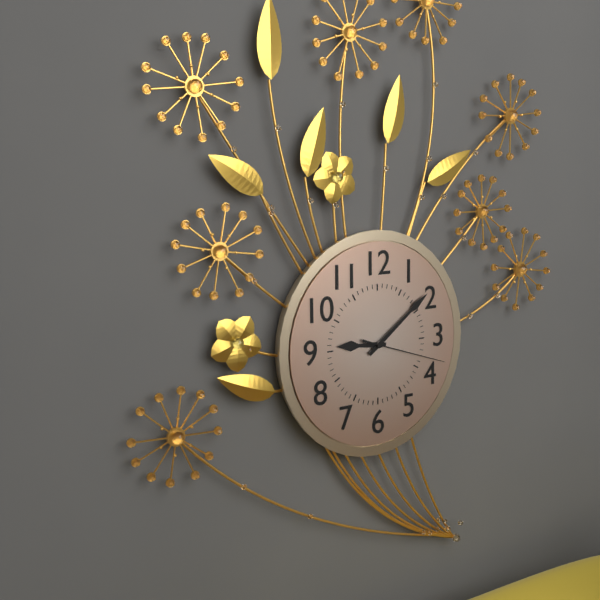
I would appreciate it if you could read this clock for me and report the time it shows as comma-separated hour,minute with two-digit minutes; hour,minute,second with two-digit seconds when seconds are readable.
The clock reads 9,09,18
